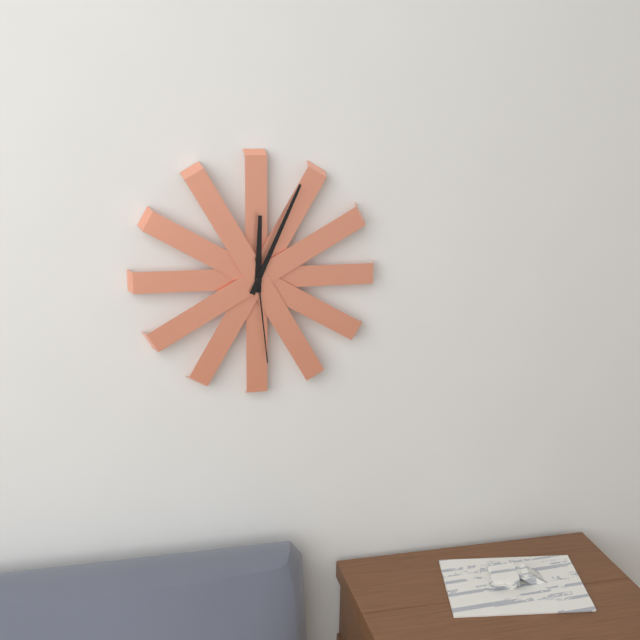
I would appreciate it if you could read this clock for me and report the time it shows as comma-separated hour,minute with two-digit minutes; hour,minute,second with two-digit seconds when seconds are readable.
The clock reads 12,04,29
